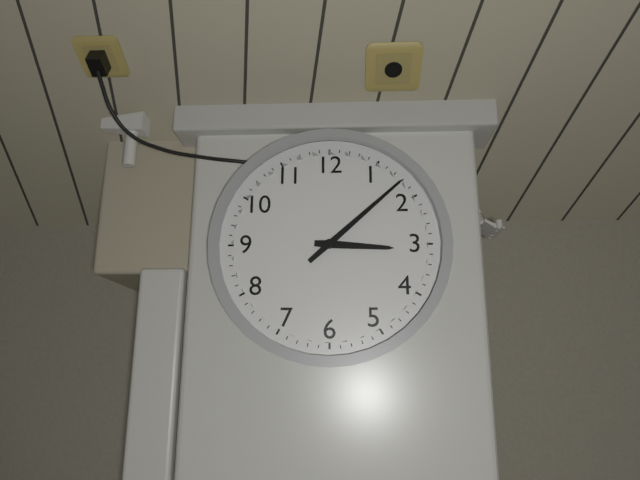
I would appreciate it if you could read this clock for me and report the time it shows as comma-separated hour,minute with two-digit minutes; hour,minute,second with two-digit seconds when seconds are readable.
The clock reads 3,08
